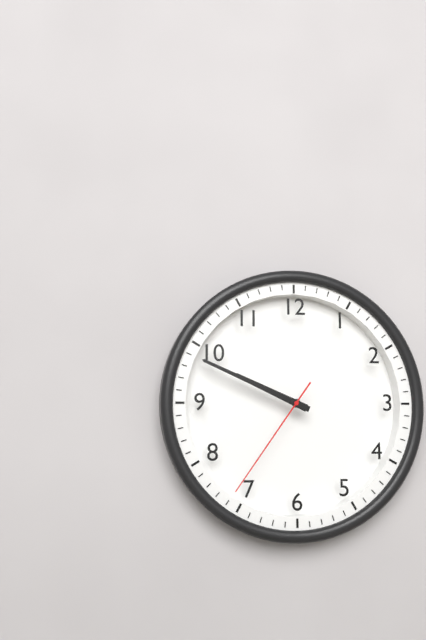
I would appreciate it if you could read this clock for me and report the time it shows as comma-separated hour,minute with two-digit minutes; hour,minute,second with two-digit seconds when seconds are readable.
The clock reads 9,49,36
